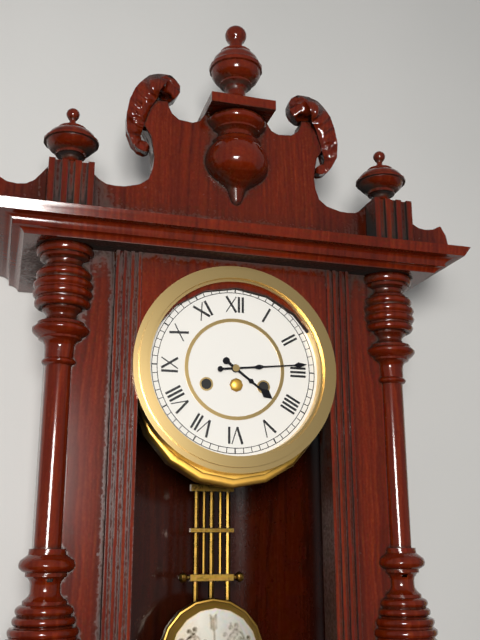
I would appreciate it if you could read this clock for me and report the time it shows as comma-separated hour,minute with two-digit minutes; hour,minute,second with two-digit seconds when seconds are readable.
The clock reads 4,14
